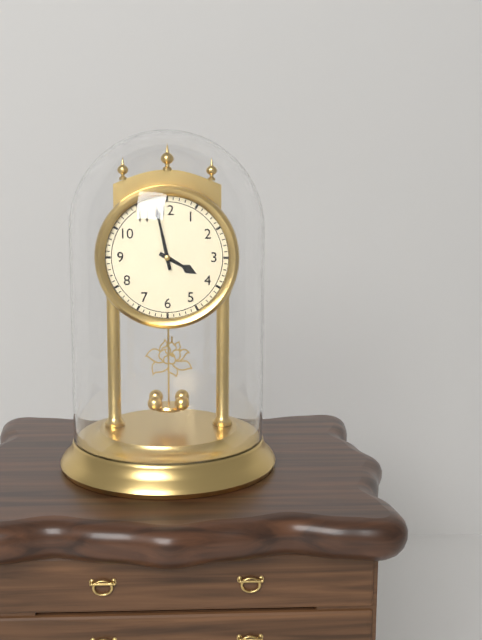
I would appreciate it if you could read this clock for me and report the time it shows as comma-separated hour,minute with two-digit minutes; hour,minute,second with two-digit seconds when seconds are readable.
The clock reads 3,58
